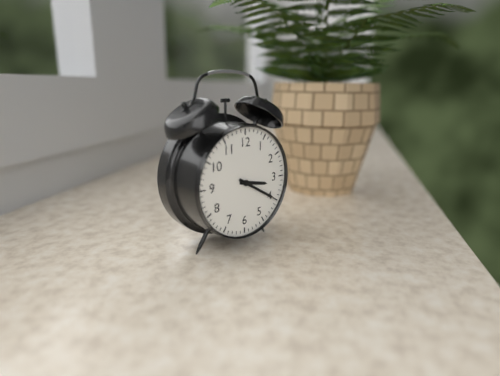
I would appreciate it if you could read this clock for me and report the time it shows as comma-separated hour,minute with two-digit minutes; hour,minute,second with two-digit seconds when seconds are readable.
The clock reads 3,20
